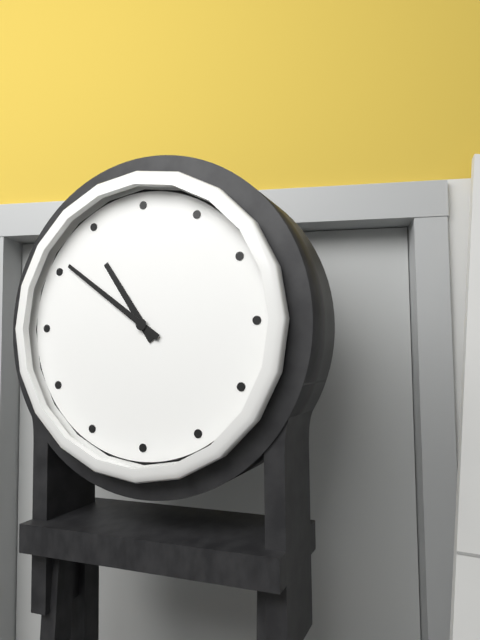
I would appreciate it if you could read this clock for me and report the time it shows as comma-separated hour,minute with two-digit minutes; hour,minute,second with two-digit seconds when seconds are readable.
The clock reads 10,51
